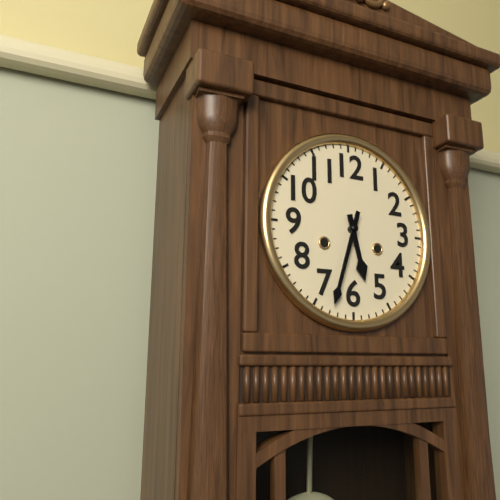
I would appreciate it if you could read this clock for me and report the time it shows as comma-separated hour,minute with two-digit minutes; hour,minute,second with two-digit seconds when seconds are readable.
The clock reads 5,33
